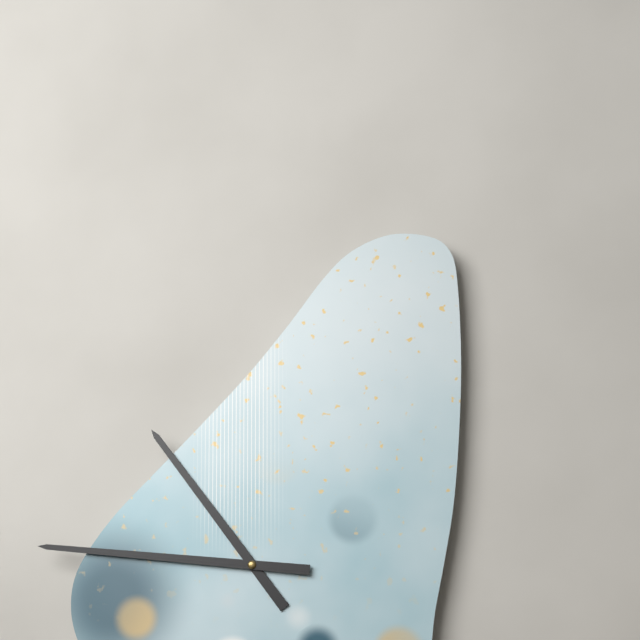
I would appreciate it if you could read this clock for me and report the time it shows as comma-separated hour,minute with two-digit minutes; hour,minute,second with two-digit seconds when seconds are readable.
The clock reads 10,46
